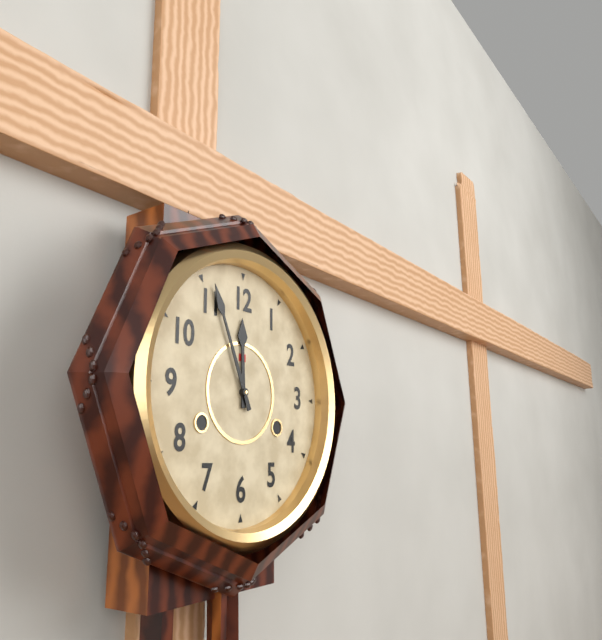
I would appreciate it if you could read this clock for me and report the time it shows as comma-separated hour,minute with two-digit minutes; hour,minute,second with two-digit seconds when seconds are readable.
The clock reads 11,56
